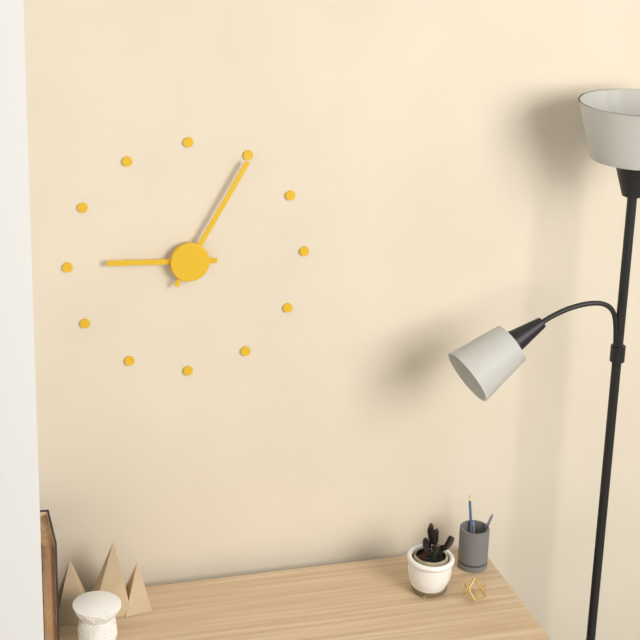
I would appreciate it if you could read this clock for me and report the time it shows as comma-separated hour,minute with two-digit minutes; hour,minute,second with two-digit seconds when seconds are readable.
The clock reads 9,05
